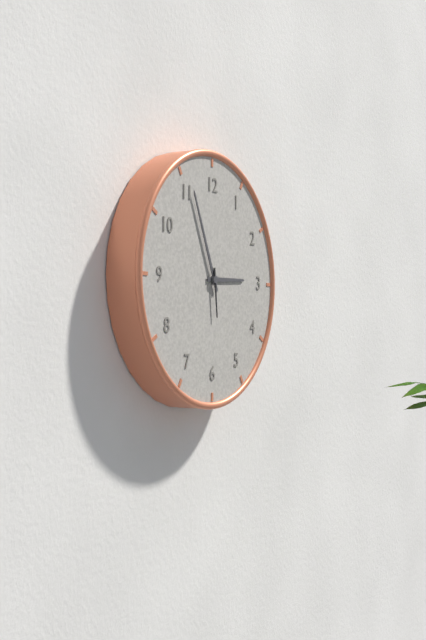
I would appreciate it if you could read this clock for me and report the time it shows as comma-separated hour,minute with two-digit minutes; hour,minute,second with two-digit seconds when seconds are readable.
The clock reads 2,56
